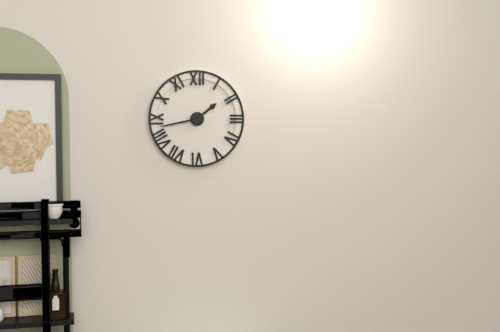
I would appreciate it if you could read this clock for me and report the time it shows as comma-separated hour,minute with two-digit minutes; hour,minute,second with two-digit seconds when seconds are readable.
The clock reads 1,43
